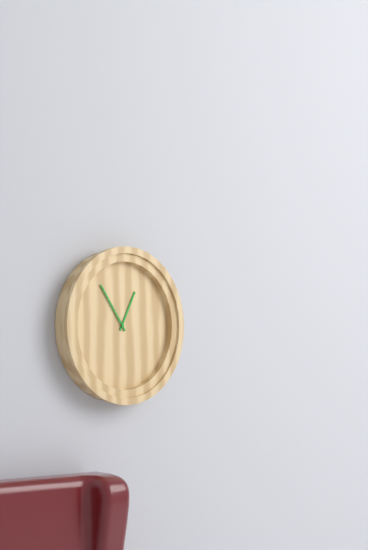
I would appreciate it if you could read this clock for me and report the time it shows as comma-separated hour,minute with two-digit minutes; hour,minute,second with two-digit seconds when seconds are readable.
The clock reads 12,54
